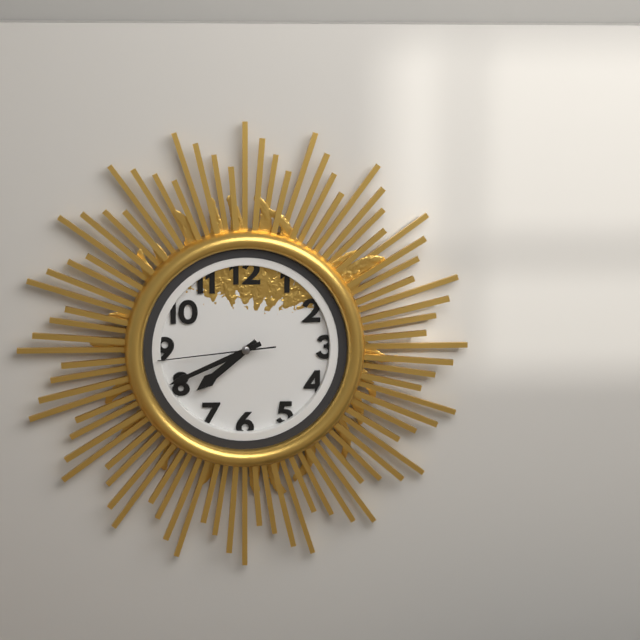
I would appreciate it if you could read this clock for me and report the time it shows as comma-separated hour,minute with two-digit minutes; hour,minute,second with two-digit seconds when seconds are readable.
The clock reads 7,41,44
